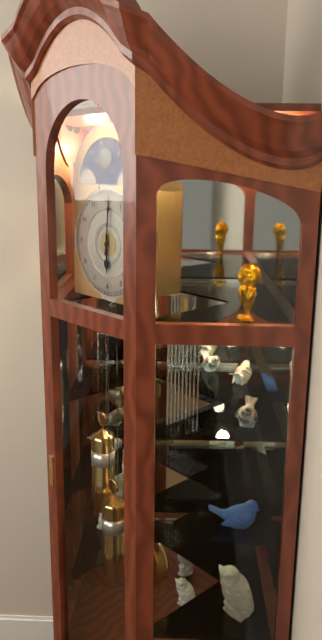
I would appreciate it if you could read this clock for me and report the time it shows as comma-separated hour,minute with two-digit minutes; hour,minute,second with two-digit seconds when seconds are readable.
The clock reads 6,01
